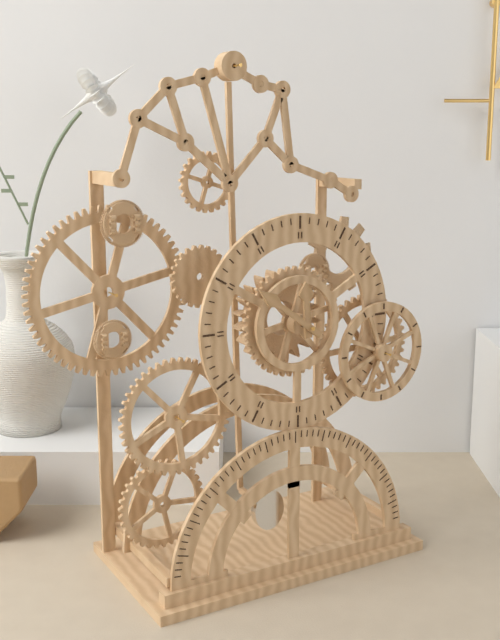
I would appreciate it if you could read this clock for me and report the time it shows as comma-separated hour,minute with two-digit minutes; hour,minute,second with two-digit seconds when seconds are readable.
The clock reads 11,51
